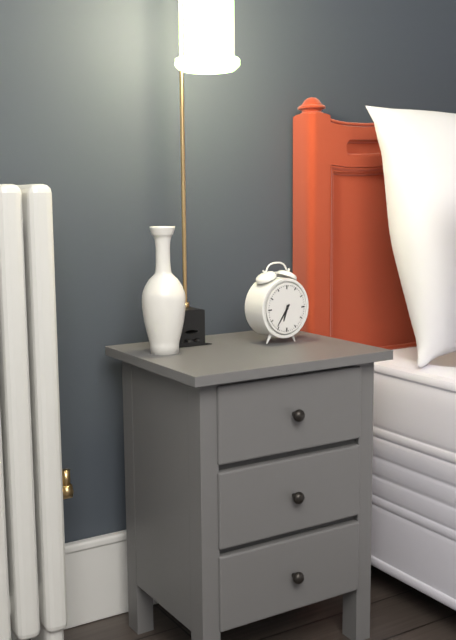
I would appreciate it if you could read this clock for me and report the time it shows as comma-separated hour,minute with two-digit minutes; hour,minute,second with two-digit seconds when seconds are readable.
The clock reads 6,36
